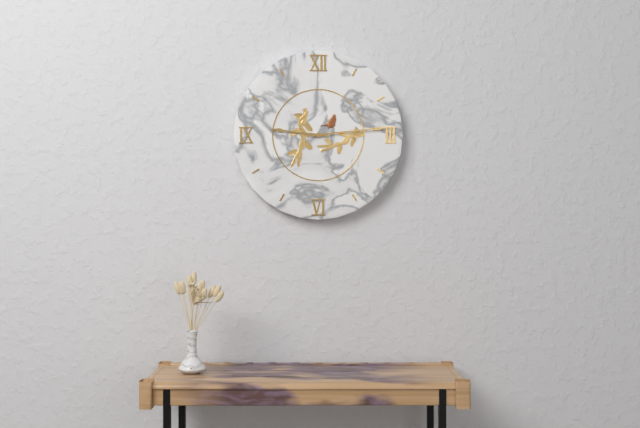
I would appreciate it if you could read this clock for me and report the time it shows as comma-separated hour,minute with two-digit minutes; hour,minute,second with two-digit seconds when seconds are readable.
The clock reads 9,14
